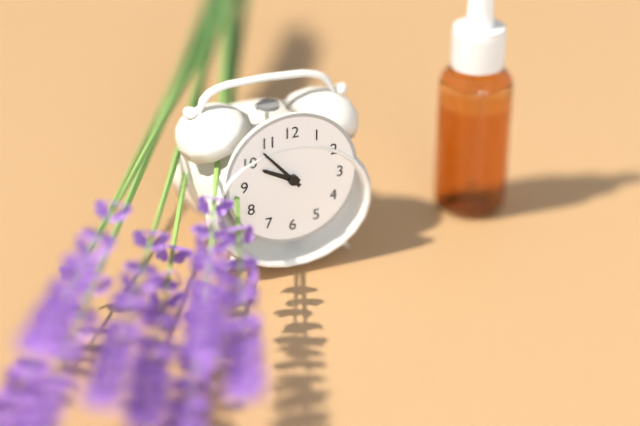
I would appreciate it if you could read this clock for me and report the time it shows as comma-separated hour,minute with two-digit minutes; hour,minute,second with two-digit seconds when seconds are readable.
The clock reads 9,53
